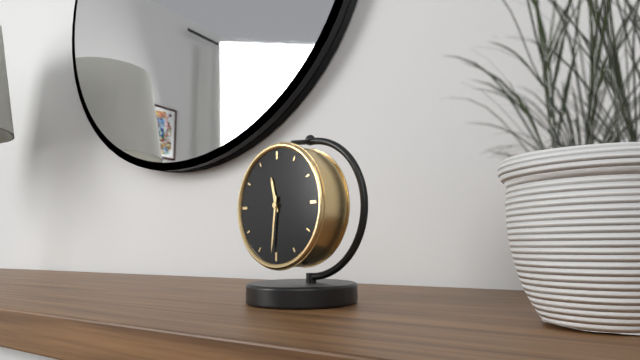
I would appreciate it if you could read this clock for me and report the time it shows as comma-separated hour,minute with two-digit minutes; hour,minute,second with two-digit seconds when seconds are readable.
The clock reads 11,31
